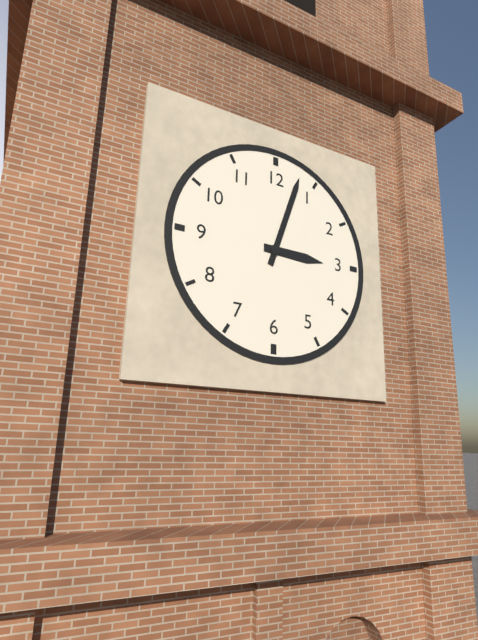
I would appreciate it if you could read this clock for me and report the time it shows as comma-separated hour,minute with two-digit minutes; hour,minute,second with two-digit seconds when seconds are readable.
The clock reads 3,03
